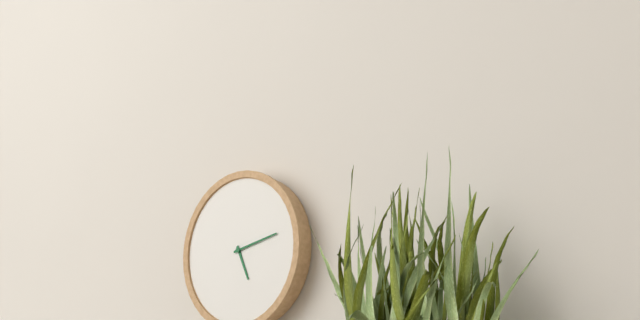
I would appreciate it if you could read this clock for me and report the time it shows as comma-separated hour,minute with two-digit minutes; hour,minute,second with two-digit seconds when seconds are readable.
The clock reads 5,13
